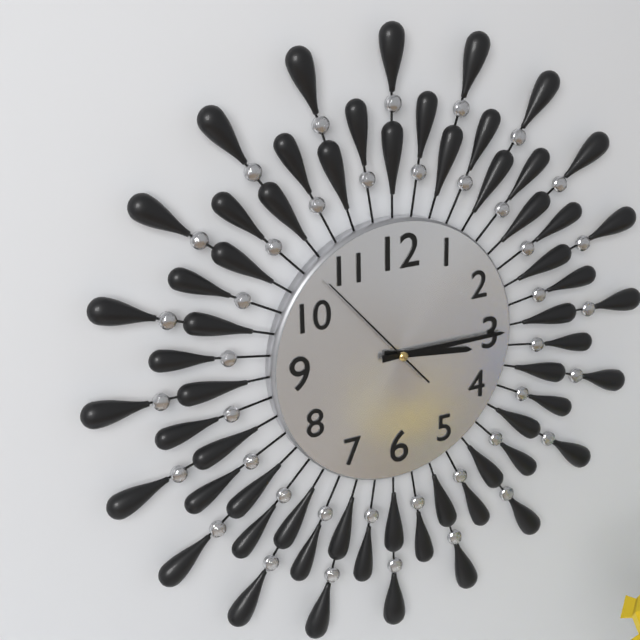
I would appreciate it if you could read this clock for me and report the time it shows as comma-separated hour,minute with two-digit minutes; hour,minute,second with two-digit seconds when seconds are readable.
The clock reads 3,15,53
